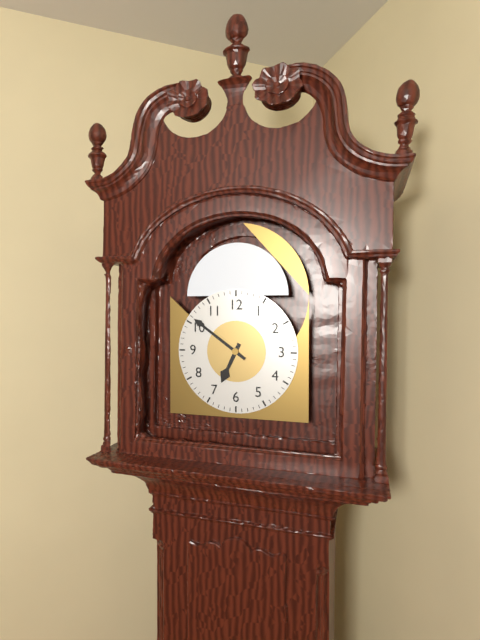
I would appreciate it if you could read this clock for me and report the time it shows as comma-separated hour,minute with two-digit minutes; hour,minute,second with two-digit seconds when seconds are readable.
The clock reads 6,51
